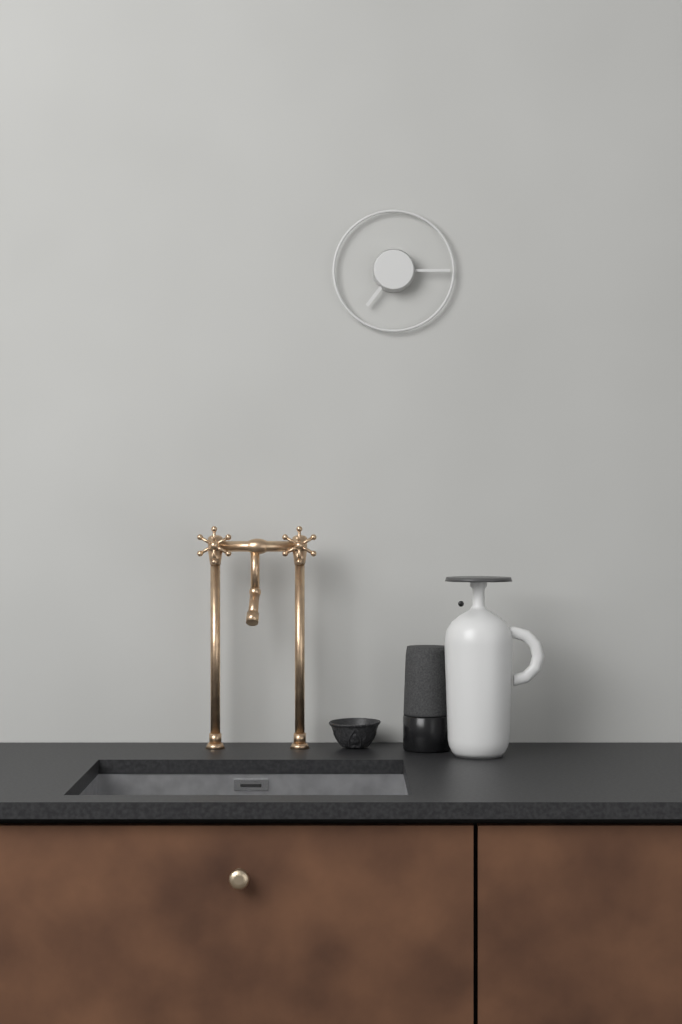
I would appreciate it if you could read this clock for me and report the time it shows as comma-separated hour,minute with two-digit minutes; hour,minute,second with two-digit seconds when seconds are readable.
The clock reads 7,15
